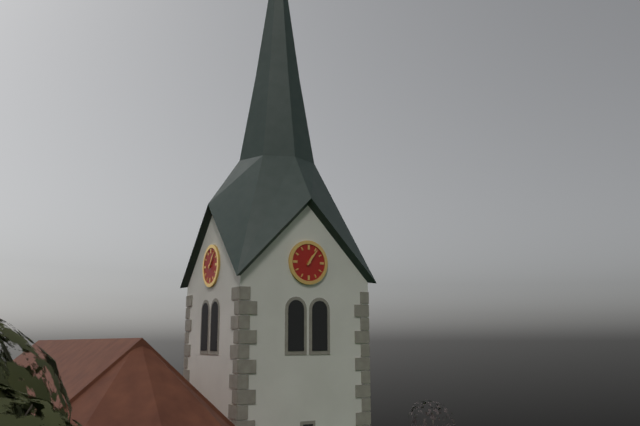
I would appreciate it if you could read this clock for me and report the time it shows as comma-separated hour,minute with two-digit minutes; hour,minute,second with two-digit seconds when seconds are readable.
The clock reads 1,06
